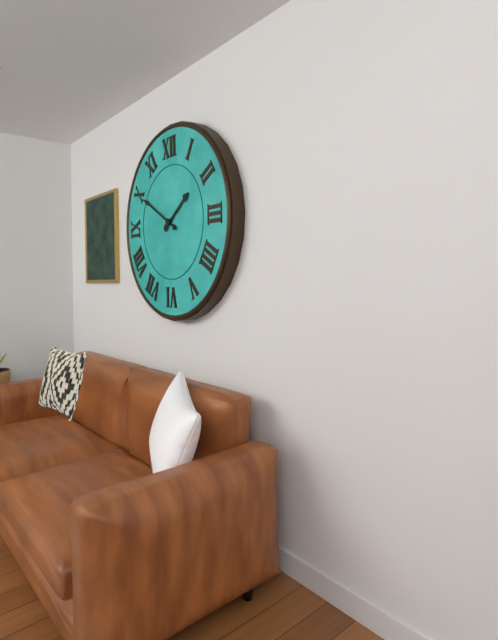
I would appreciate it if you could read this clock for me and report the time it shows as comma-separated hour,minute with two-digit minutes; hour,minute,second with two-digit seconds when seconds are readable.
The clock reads 1,50
